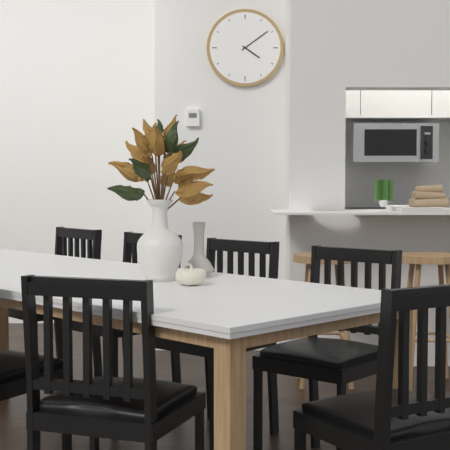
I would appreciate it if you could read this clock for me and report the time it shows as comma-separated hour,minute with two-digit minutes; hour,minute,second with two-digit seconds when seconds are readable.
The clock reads 4,09
